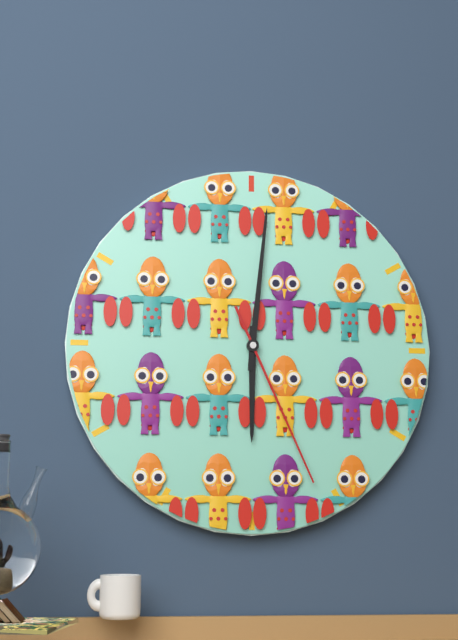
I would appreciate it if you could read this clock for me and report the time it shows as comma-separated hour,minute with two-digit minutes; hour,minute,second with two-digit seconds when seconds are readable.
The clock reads 6,01,26
